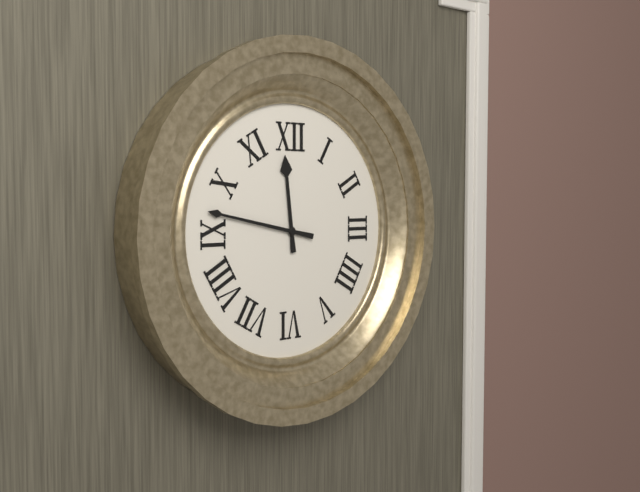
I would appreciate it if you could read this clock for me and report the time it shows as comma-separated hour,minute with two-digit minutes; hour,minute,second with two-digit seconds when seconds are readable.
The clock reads 11,47
